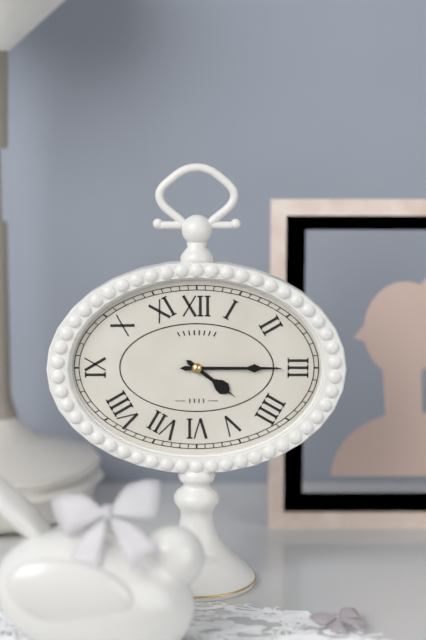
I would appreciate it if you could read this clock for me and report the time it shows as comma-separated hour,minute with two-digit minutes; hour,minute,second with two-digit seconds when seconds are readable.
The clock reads 4,15
